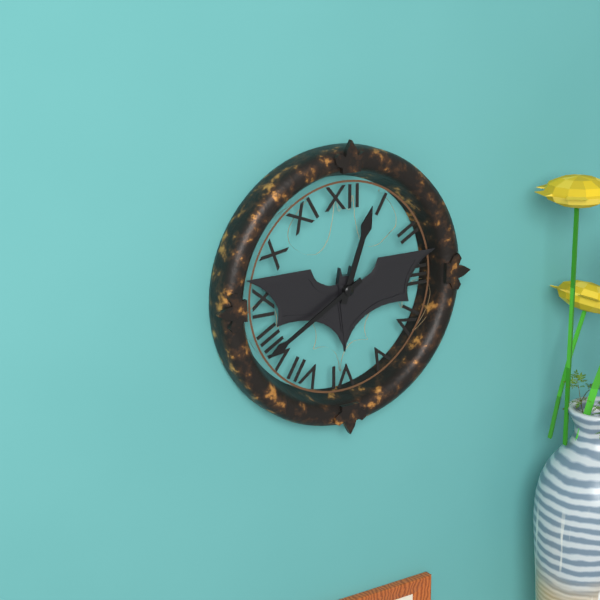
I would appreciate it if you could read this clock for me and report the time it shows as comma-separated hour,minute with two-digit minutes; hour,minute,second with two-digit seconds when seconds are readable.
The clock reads 12,40
